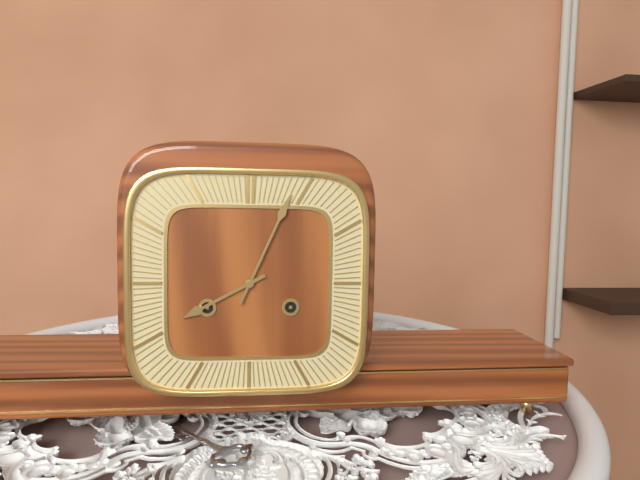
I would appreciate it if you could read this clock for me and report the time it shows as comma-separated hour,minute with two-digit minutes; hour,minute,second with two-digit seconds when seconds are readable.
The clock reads 8,04
